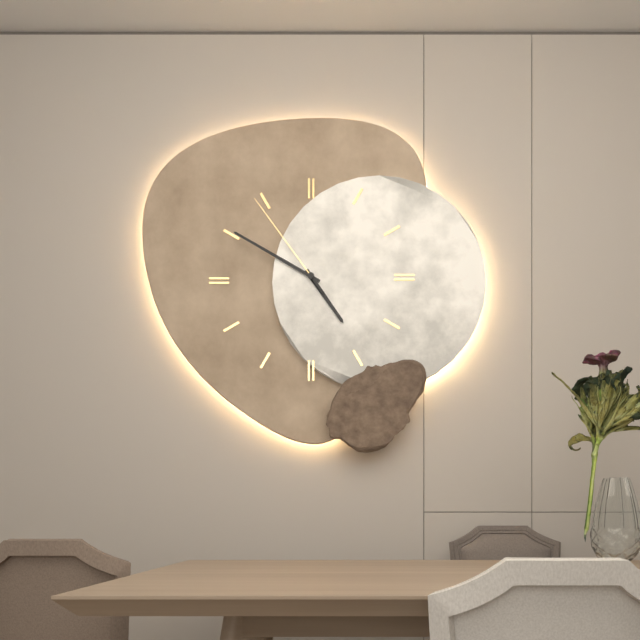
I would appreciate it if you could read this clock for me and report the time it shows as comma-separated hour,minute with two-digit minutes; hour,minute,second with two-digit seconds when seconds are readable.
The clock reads 4,50,54
